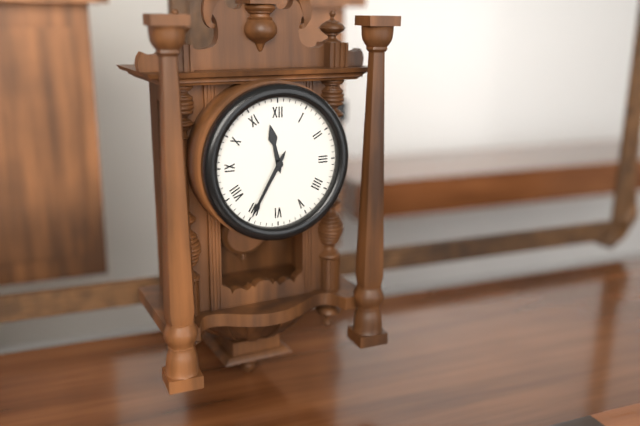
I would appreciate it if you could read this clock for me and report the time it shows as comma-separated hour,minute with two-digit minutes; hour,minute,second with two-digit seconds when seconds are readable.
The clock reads 11,35
